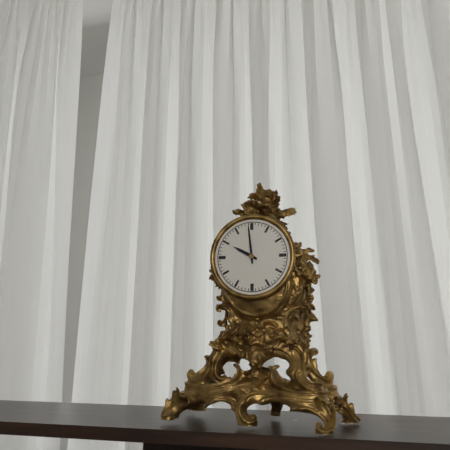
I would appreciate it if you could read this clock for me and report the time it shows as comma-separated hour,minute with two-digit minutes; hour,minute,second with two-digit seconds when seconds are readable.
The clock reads 9,59
